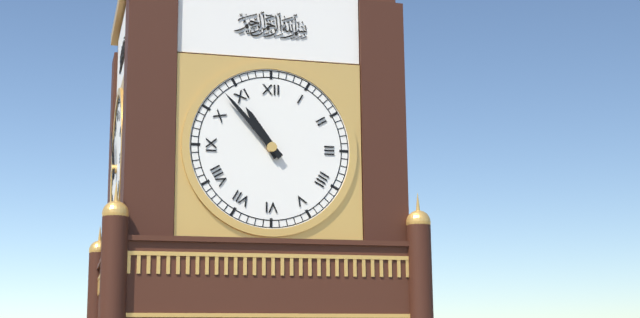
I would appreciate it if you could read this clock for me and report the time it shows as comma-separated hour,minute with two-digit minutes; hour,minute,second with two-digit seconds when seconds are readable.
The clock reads 10,53
